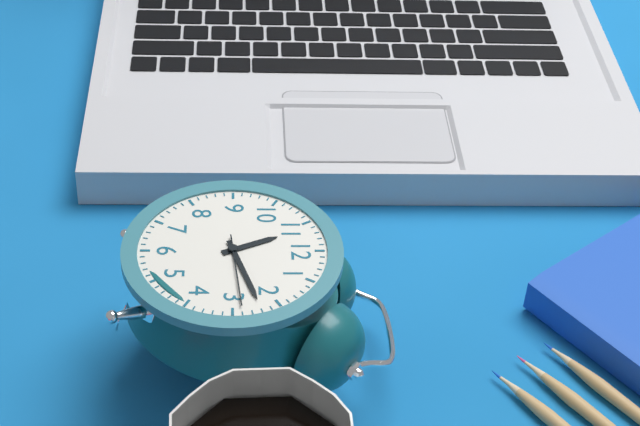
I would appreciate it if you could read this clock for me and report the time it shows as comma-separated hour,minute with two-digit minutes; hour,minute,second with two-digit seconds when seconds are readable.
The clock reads 11,12,14
